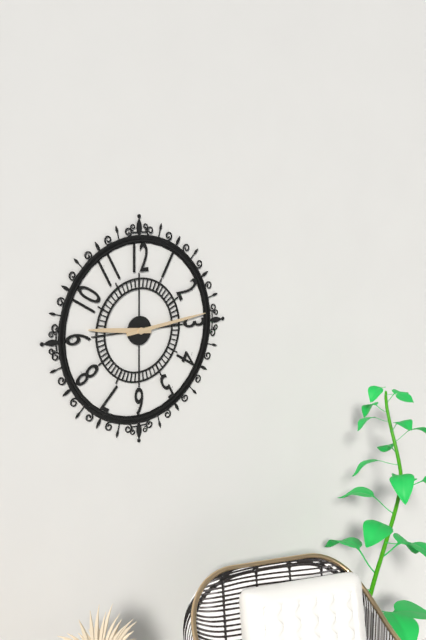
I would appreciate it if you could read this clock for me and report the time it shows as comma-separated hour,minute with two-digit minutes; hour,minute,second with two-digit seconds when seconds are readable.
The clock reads 9,14
